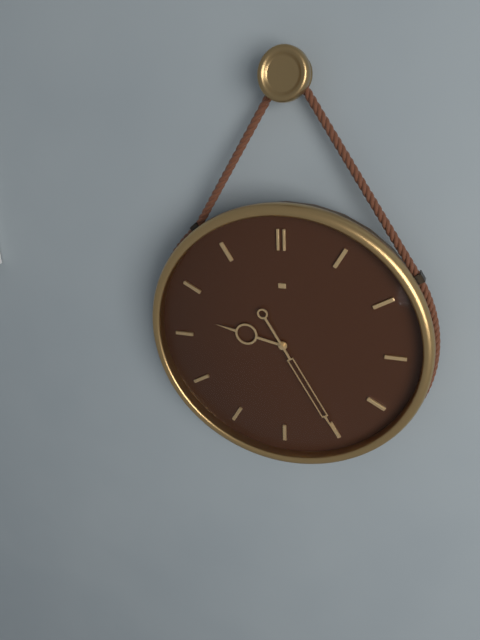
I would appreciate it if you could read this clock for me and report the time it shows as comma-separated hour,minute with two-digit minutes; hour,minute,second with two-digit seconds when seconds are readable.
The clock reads 9,25
